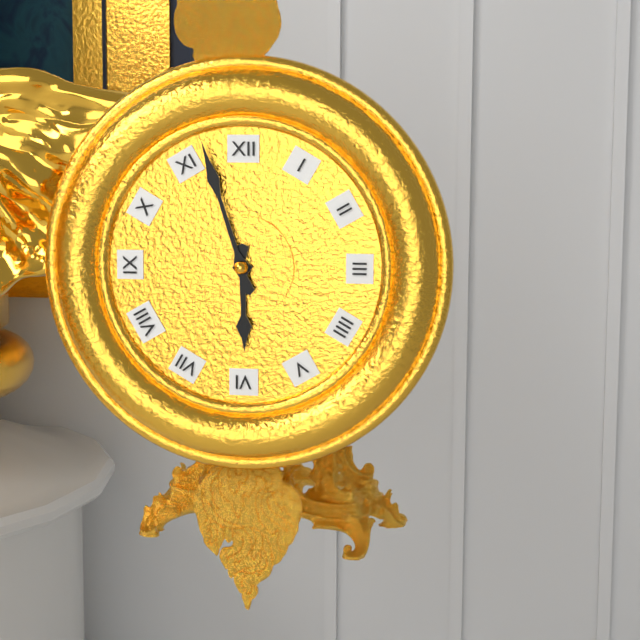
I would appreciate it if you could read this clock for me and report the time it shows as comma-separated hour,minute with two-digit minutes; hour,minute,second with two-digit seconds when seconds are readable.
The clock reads 5,57
